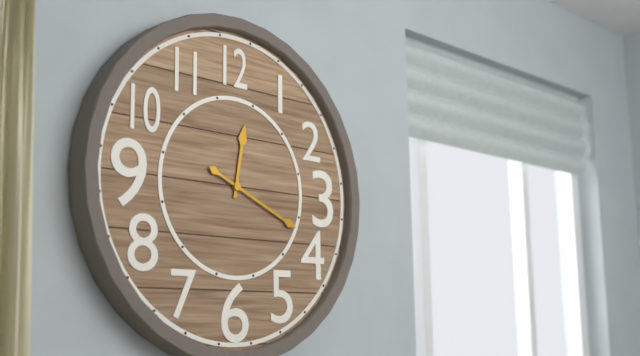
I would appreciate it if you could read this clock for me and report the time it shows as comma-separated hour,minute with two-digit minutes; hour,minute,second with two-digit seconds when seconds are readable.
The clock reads 12,19
